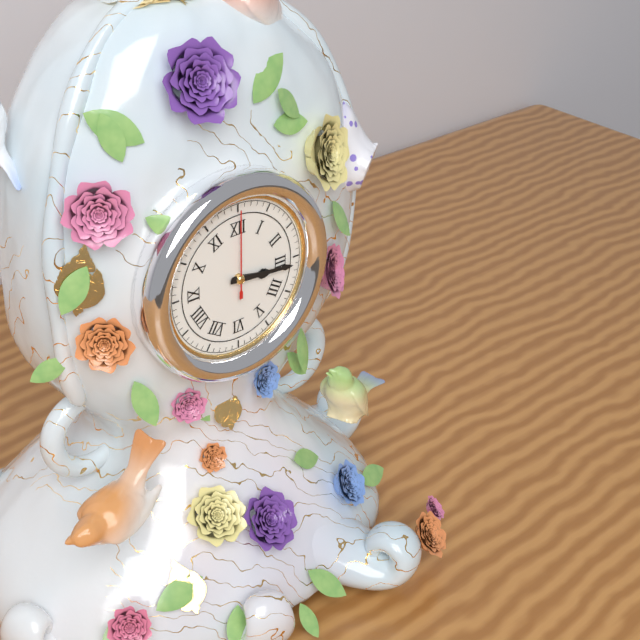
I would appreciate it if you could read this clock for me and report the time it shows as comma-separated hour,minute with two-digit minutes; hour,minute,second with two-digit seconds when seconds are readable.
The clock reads 3,16,00
